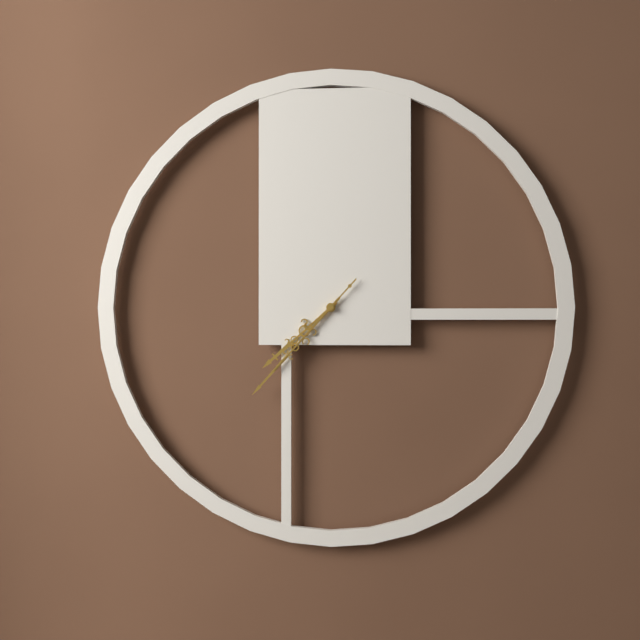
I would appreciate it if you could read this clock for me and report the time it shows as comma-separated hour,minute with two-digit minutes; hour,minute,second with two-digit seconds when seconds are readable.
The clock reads 7,37,37
